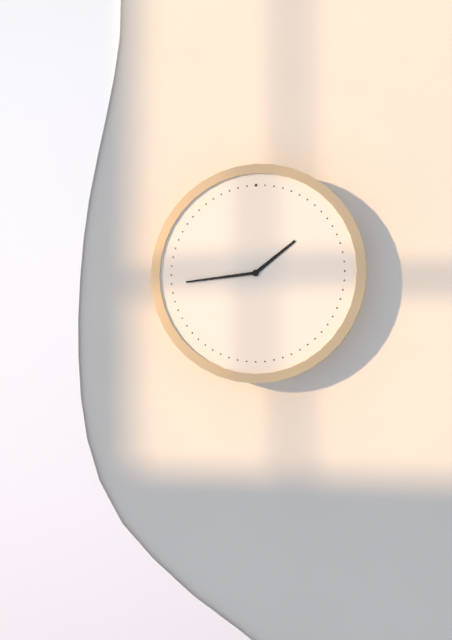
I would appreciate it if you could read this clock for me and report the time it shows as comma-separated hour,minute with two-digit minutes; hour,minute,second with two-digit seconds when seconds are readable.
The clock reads 1,44
